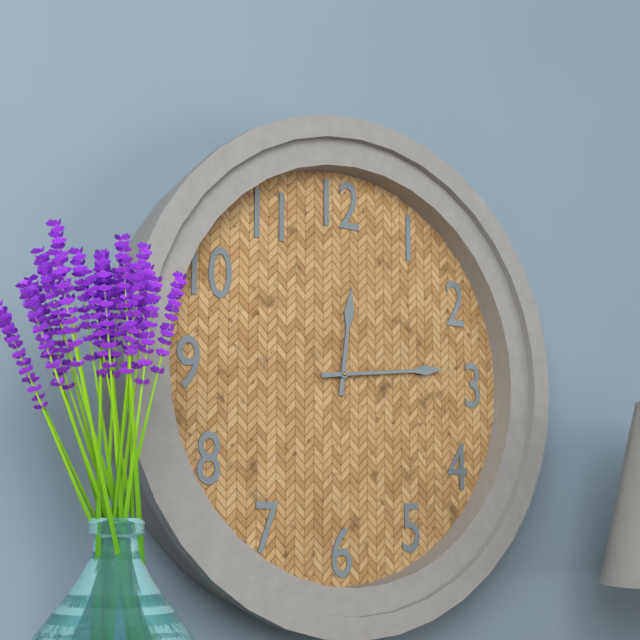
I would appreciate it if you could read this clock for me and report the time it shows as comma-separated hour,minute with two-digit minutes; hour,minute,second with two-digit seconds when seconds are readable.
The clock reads 12,14
